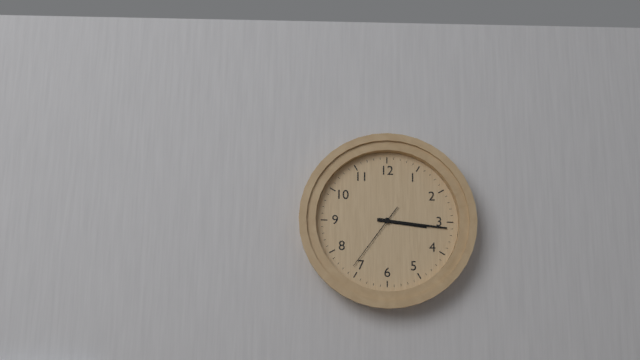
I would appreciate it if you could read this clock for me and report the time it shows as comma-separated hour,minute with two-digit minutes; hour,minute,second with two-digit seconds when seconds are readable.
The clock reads 3,16,36
